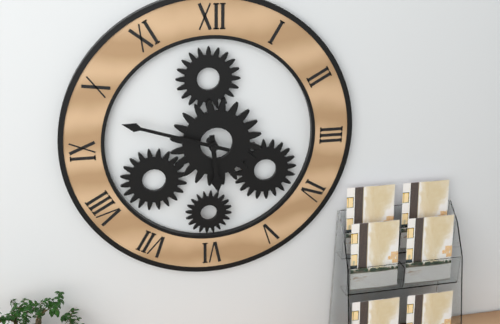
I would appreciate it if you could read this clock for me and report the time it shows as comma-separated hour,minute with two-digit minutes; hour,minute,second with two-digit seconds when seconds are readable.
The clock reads 5,48
